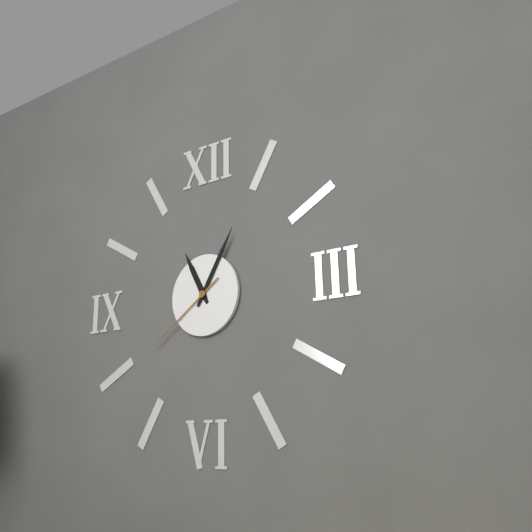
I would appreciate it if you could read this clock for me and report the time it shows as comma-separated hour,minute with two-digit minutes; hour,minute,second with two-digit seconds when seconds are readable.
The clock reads 11,05,39
